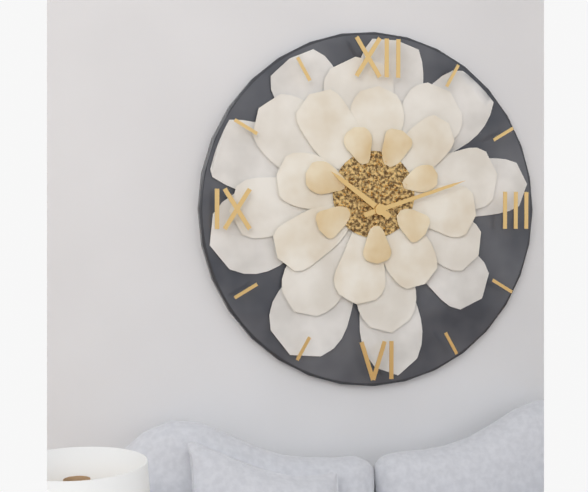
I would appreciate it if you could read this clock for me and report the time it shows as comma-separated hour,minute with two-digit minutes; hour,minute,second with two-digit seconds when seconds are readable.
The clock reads 10,12
